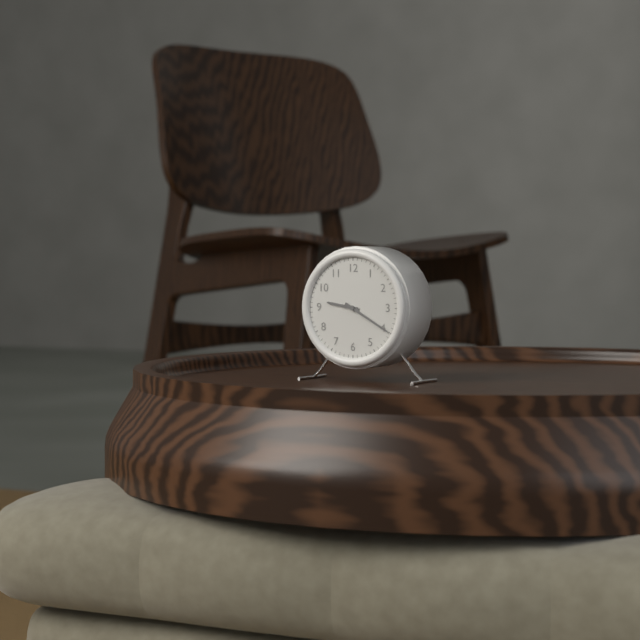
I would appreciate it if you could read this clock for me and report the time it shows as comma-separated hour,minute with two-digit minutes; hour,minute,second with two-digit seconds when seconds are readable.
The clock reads 9,20
